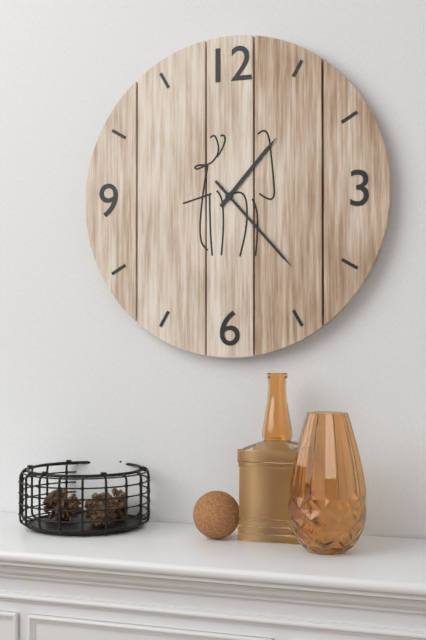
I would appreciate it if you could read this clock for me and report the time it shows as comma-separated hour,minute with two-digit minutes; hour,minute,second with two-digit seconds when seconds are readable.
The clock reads 1,23
